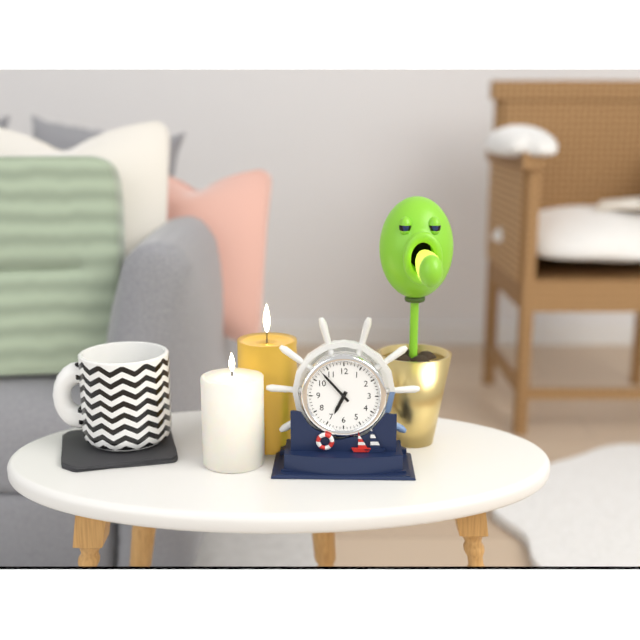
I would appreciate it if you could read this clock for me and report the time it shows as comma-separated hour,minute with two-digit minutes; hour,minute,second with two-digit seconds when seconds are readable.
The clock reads 6,53
